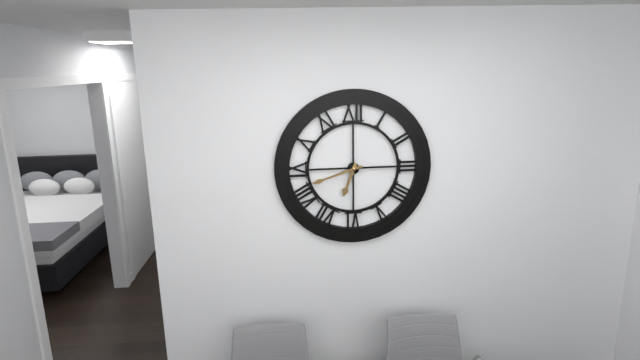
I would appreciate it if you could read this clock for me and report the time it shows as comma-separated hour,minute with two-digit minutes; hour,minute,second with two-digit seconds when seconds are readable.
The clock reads 6,42
